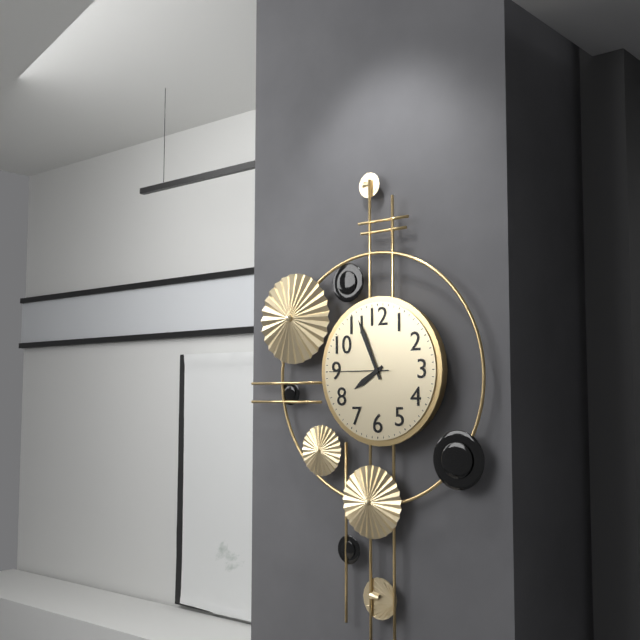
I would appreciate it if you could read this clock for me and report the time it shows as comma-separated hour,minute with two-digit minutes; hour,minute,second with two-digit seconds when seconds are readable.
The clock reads 7,56,45
